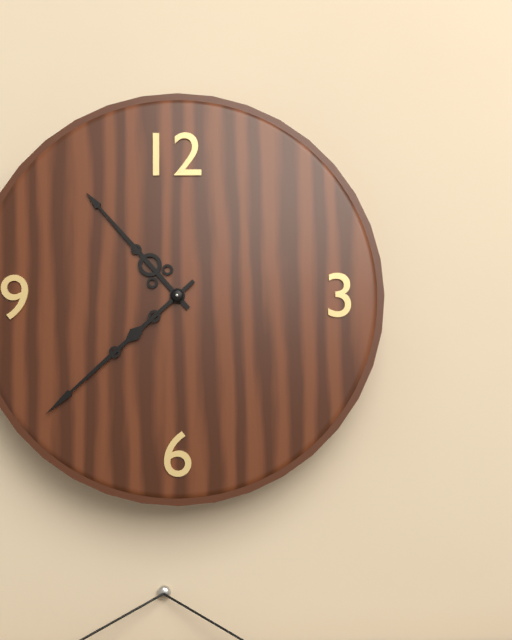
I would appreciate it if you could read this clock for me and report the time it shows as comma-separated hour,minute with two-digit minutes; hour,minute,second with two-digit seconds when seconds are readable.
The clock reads 10,38
